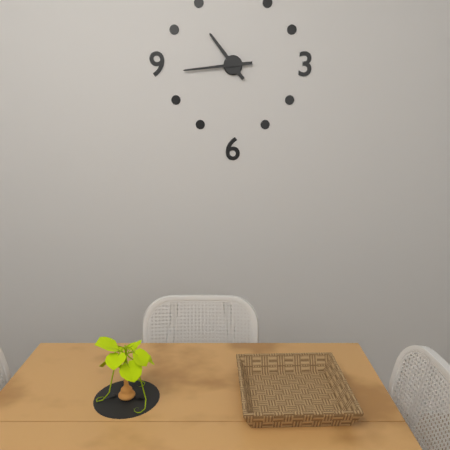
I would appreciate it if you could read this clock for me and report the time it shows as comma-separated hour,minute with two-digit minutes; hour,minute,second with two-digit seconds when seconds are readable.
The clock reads 10,44
